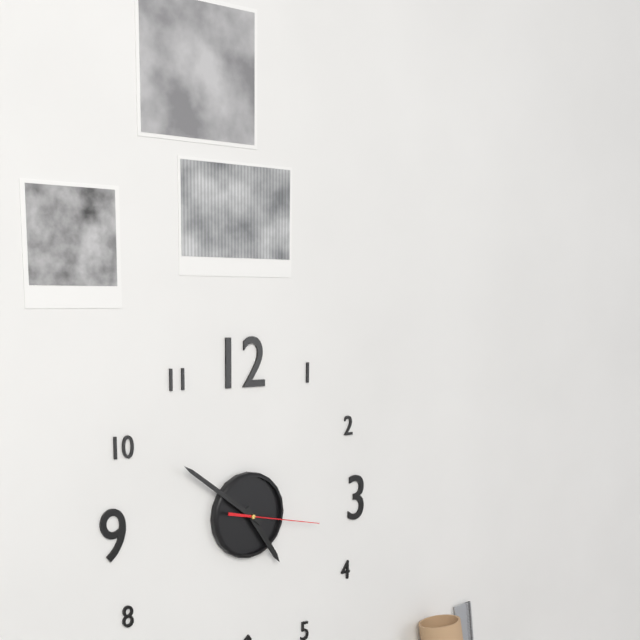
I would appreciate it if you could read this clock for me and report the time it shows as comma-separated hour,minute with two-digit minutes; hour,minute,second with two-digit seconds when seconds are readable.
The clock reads 4,51,17
